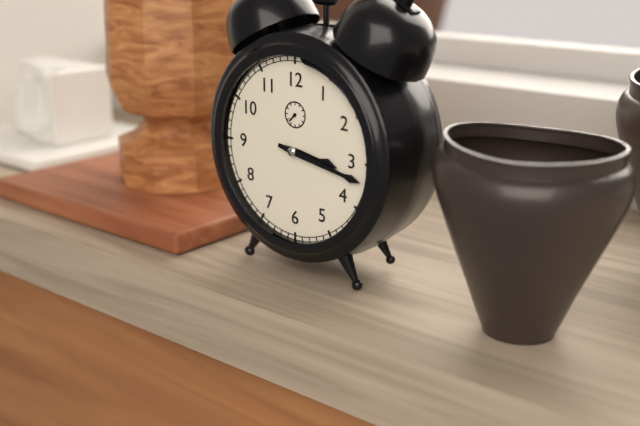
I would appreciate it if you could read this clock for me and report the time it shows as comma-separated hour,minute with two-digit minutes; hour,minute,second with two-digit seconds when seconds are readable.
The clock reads 3,17
